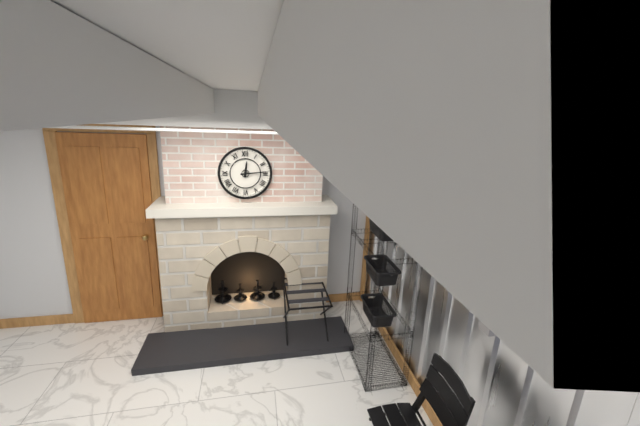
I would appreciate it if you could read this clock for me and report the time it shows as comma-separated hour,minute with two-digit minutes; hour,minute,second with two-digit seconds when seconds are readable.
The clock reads 12,14
